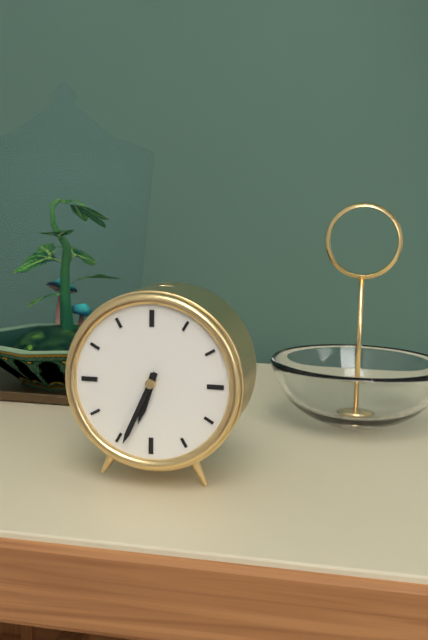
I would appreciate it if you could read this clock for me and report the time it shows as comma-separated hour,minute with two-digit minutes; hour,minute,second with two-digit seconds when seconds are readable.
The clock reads 6,34
